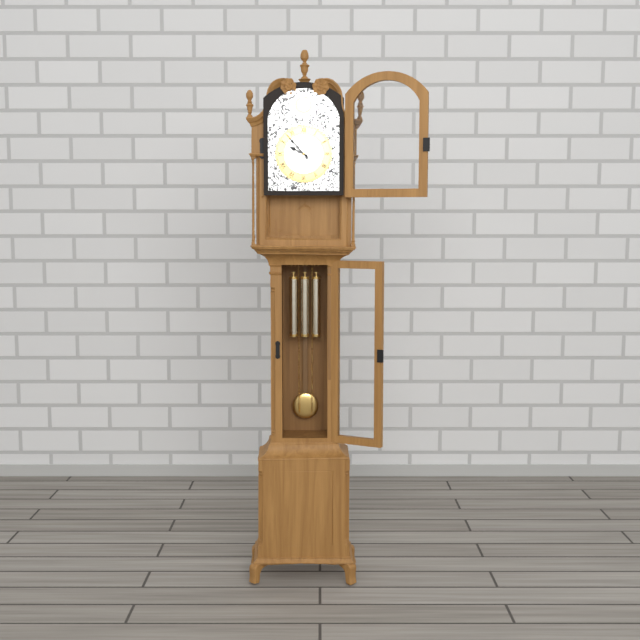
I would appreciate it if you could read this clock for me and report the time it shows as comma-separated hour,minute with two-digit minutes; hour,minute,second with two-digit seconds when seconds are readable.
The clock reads 9,53
